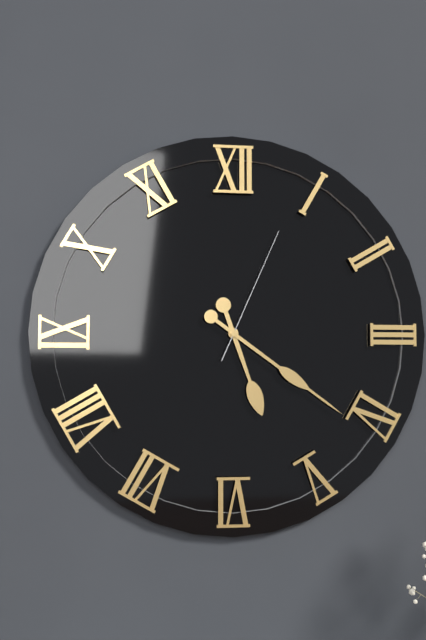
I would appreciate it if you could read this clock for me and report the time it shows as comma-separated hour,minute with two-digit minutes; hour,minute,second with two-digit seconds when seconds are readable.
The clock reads 5,21,04
